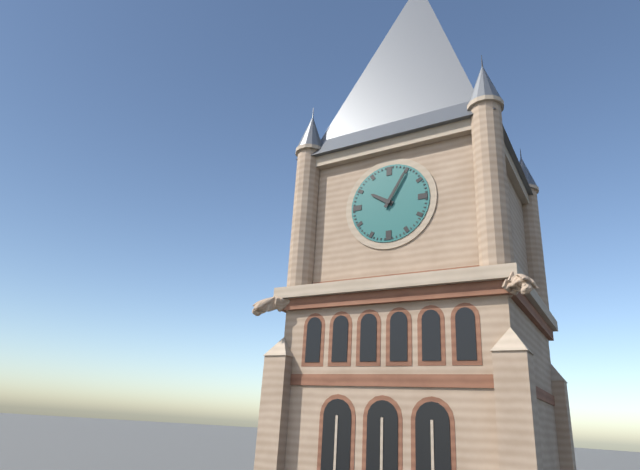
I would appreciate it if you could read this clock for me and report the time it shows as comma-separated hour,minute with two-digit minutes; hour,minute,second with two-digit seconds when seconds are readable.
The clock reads 10,05
